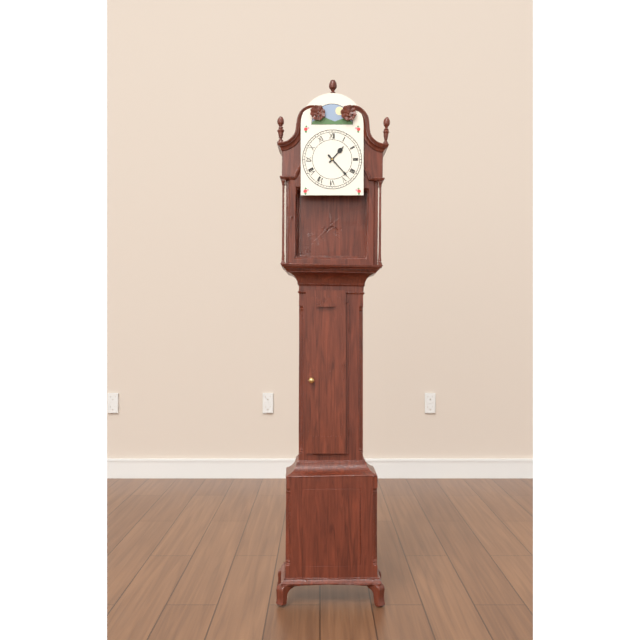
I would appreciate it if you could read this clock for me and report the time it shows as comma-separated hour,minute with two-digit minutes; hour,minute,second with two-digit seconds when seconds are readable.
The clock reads 1,23
